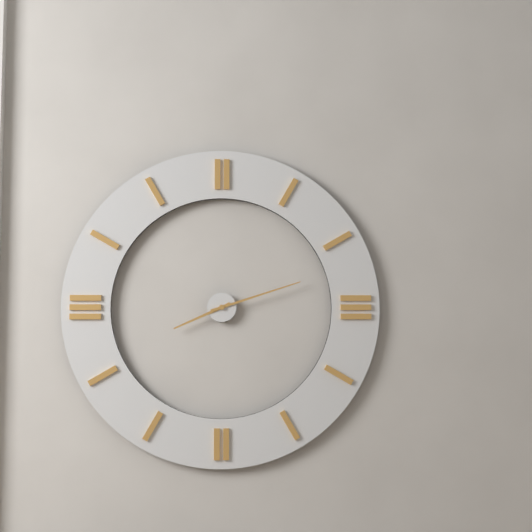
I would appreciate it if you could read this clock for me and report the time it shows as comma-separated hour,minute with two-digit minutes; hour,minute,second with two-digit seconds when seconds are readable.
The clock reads 8,12
